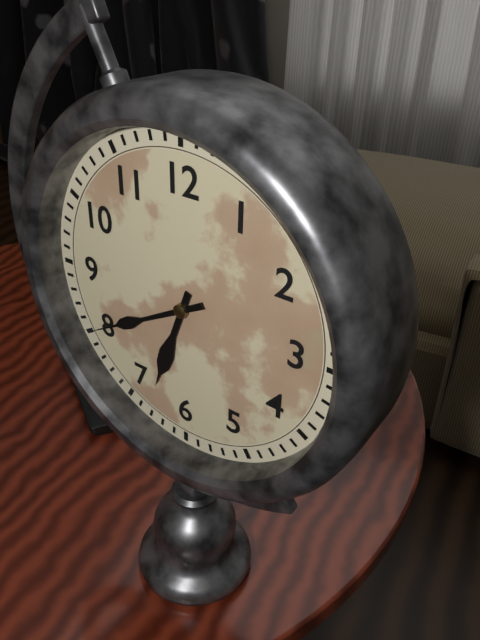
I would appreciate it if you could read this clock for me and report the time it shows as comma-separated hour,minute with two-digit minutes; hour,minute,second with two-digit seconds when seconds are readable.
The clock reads 6,40
